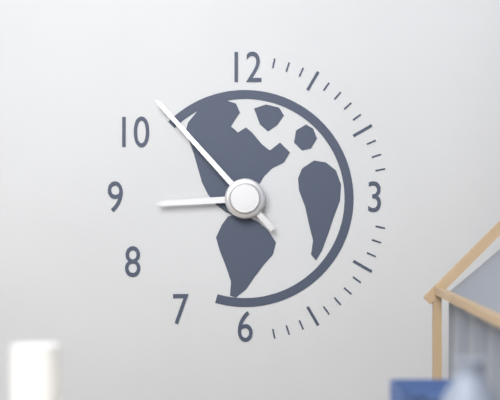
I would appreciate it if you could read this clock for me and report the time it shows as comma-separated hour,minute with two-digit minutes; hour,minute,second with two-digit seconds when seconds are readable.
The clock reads 8,53
